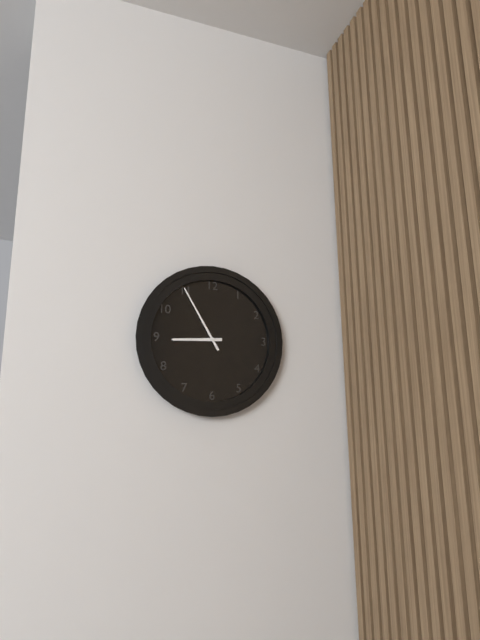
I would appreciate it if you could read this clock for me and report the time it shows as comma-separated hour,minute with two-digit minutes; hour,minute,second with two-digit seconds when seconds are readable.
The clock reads 8,55
